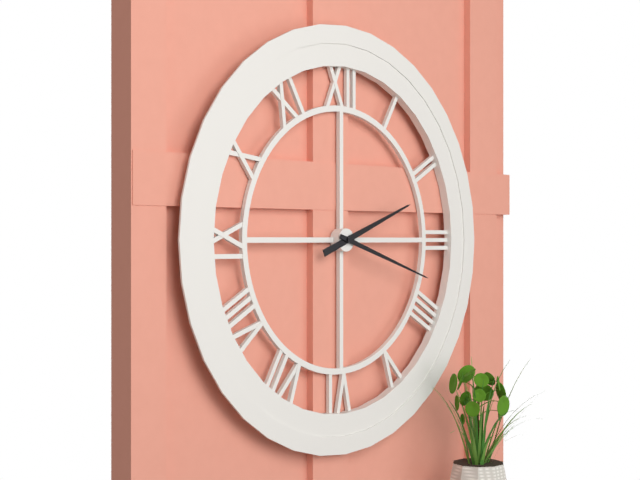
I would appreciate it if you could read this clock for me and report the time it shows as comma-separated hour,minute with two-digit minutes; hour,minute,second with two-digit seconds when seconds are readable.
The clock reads 2,18
